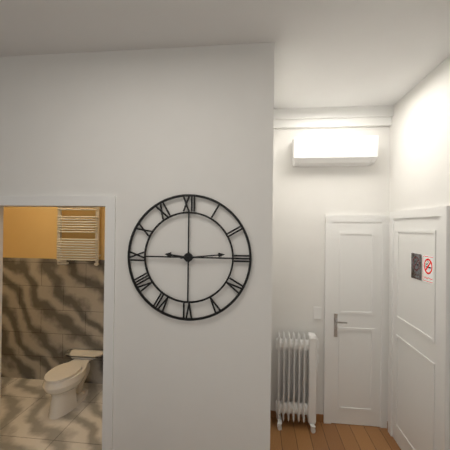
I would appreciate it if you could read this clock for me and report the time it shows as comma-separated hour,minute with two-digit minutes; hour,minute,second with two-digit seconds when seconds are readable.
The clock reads 9,14
